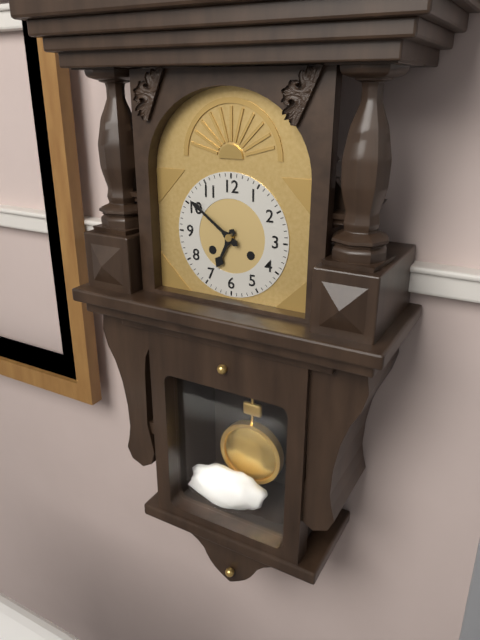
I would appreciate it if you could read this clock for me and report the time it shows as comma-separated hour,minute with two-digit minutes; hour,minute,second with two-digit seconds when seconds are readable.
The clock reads 6,51
